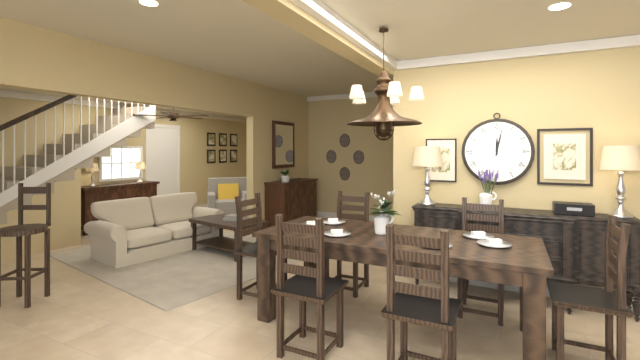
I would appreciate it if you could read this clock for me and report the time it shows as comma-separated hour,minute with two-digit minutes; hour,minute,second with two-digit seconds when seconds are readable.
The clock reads 12,02
